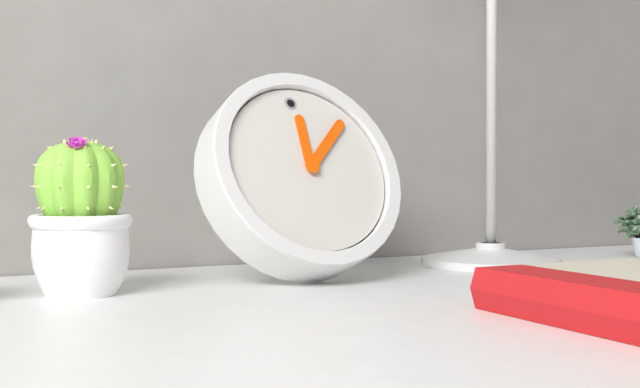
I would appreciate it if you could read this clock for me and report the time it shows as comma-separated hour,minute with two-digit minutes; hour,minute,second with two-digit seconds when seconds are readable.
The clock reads 12,08
